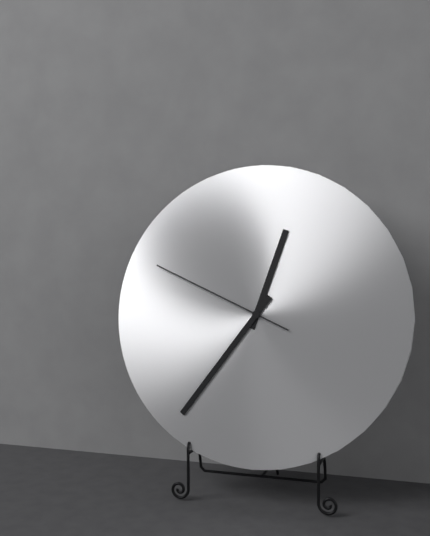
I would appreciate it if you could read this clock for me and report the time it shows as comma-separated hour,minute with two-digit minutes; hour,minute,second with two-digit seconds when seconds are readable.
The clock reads 12,36,49
